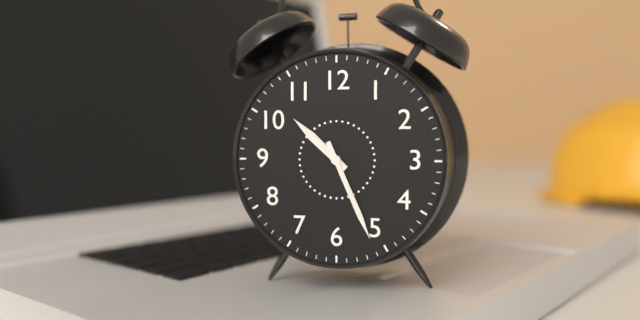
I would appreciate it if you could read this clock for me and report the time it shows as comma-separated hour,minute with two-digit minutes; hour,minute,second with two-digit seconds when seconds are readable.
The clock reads 10,26
